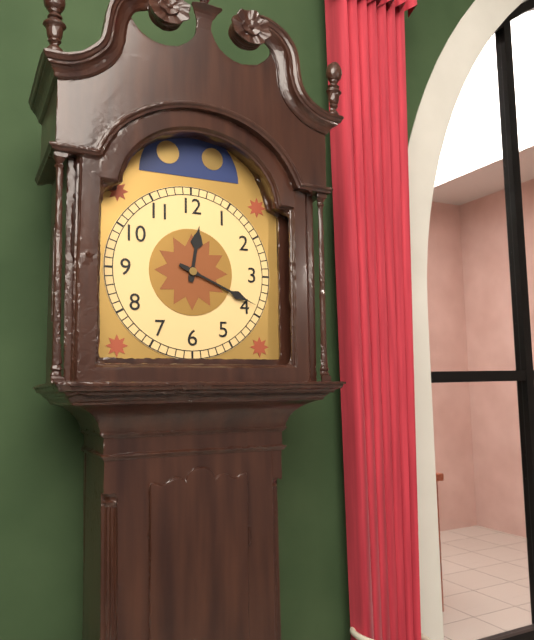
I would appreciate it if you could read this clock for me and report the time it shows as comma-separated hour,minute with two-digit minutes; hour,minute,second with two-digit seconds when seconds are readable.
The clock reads 12,19
